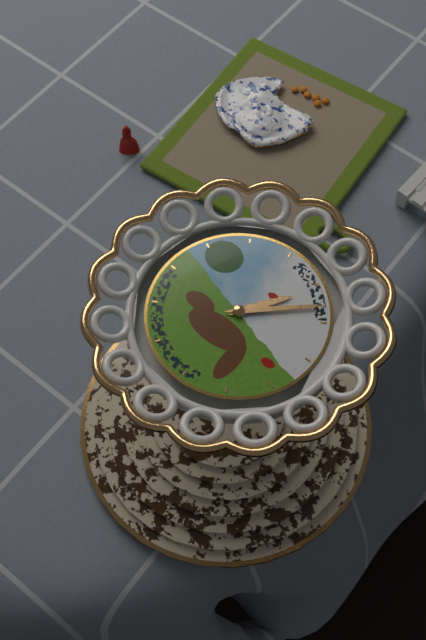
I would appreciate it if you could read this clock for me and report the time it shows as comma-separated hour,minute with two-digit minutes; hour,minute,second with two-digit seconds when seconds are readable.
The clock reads 1,08
